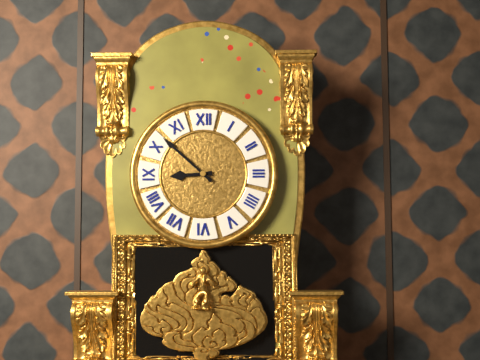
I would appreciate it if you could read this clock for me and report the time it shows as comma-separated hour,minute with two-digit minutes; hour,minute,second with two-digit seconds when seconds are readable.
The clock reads 8,52
